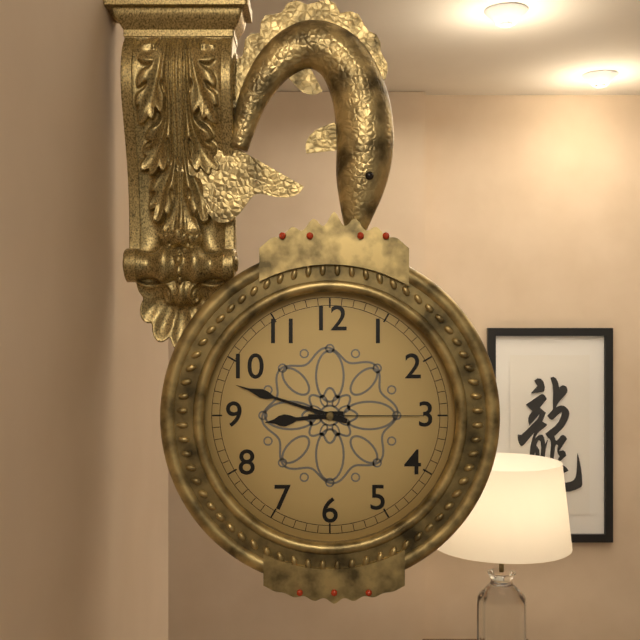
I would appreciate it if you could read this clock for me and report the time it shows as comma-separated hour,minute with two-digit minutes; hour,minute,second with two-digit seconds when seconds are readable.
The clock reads 8,48,15
